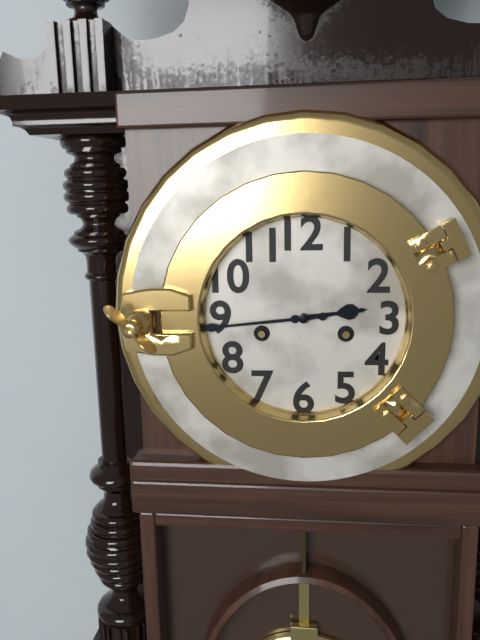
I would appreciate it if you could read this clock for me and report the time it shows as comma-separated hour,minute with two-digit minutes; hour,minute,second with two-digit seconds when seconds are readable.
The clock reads 2,44
